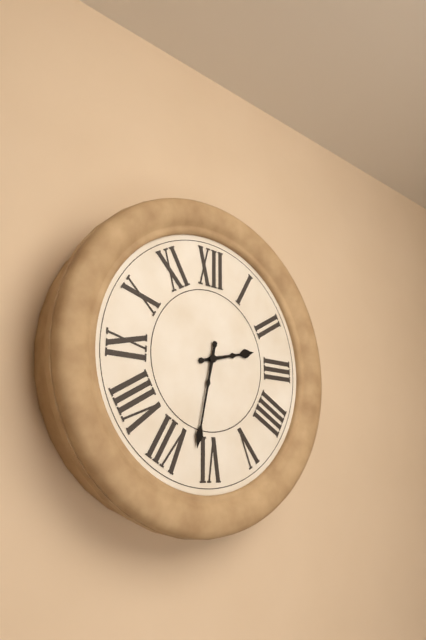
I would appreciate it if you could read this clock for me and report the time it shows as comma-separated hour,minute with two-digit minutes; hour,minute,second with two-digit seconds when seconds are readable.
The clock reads 2,32
